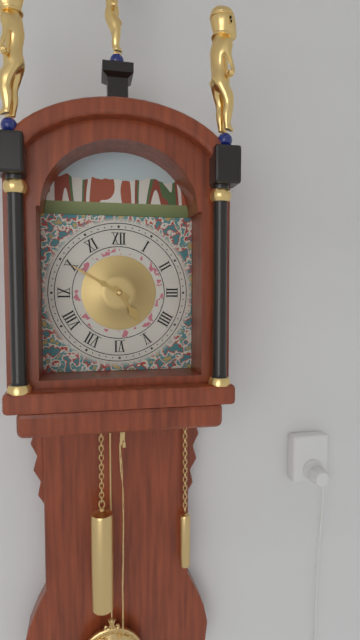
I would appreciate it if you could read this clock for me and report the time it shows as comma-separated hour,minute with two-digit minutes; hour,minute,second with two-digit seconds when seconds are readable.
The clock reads 4,50
